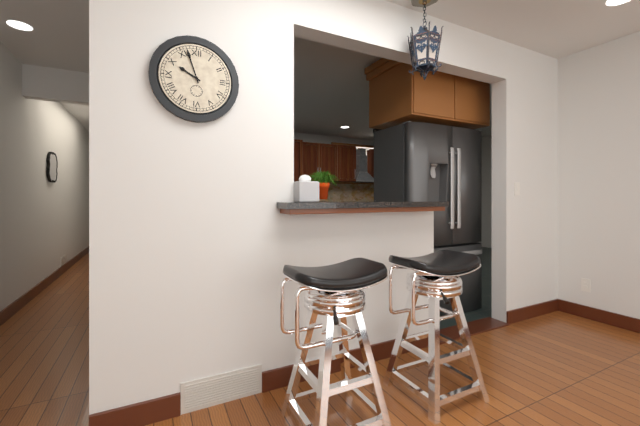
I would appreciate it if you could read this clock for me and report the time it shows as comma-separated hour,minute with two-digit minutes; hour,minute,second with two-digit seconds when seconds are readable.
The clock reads 9,57
